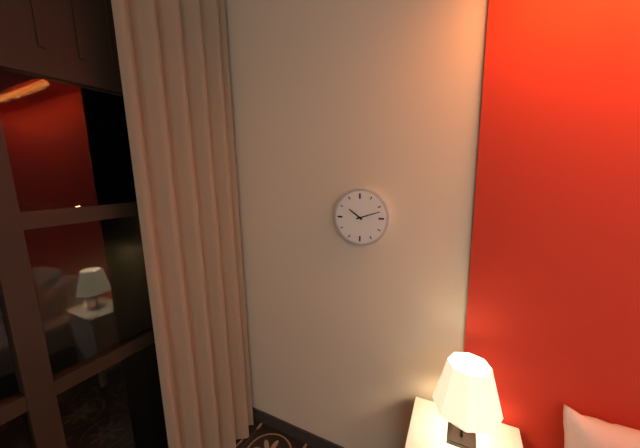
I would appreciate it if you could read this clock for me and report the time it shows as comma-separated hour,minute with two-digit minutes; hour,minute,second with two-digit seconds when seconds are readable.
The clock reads 10,12
